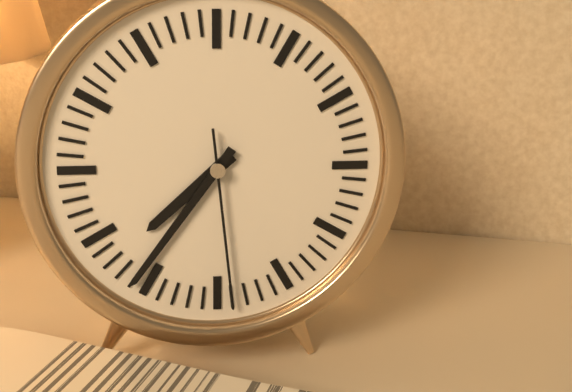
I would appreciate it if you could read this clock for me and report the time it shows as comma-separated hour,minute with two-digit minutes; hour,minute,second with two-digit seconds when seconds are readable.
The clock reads 7,36,29
